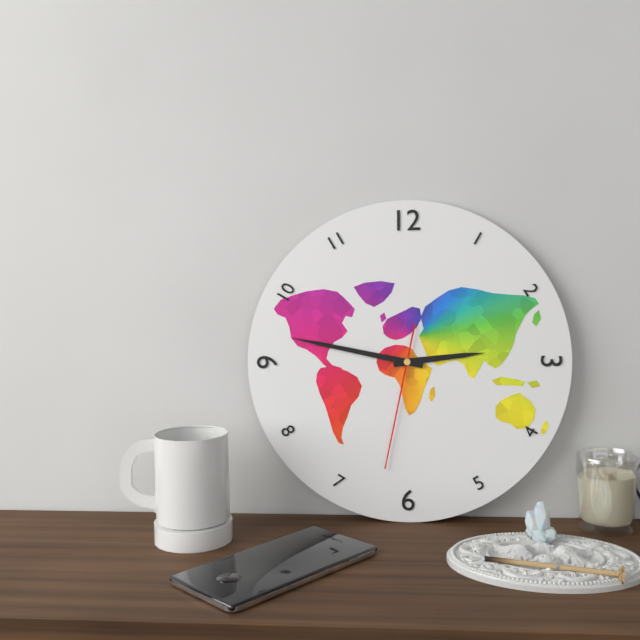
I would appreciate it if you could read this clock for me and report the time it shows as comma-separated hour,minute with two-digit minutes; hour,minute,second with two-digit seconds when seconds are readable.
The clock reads 2,47,32
